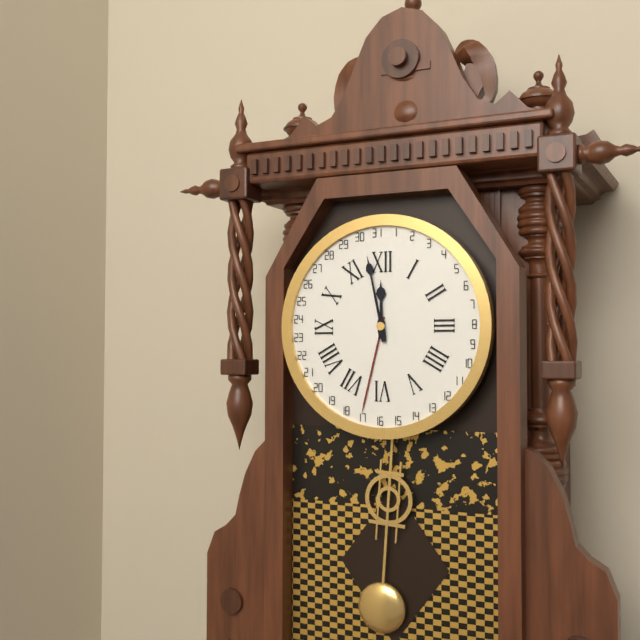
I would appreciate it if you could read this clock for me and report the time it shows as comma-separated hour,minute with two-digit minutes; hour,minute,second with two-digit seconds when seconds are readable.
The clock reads 11,58
